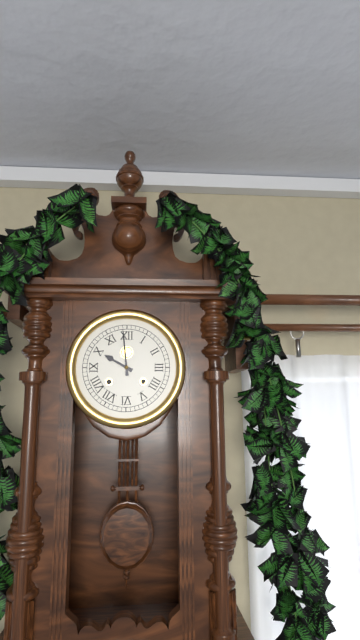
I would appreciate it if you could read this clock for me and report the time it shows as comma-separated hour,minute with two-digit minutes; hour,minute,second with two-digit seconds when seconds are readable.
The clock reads 9,59
